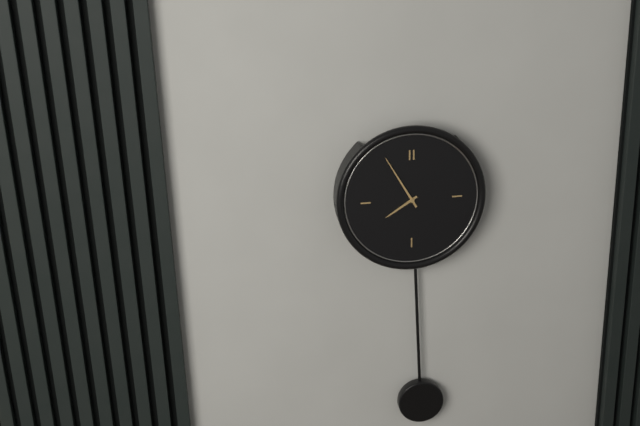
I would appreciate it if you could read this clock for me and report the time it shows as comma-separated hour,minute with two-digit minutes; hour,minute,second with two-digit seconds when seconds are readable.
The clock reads 7,55
